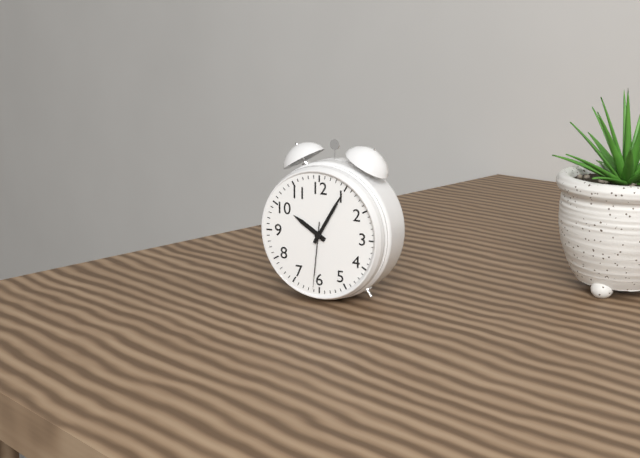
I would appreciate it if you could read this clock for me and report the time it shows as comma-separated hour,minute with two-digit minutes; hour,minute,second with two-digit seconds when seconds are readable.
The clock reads 10,05,31
